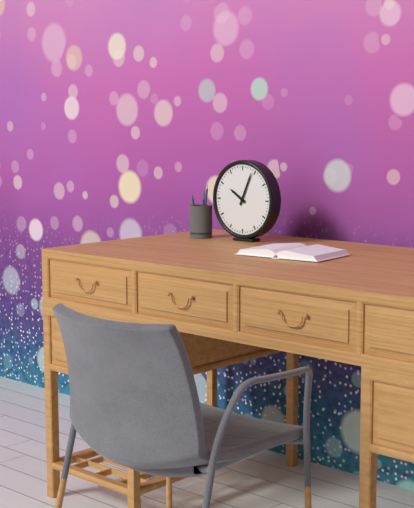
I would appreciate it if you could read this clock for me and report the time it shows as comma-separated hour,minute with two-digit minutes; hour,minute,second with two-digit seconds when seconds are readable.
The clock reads 10,04
